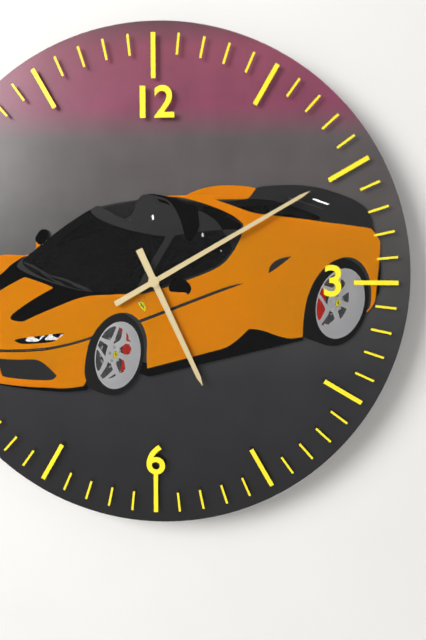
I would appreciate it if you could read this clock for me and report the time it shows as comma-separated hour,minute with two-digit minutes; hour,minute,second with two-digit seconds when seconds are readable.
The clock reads 5,10
